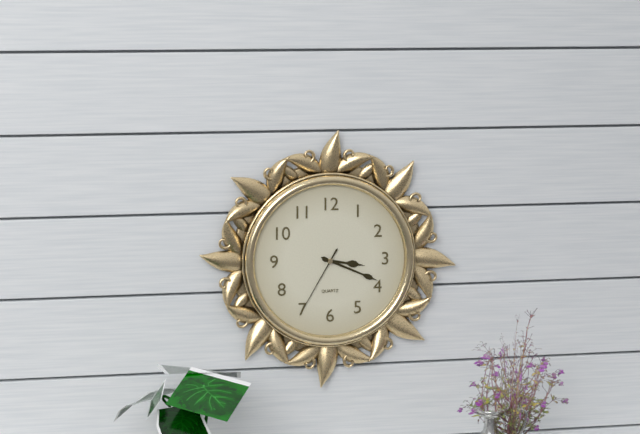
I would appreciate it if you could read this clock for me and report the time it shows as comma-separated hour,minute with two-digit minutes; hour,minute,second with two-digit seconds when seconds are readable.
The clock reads 3,19,35
